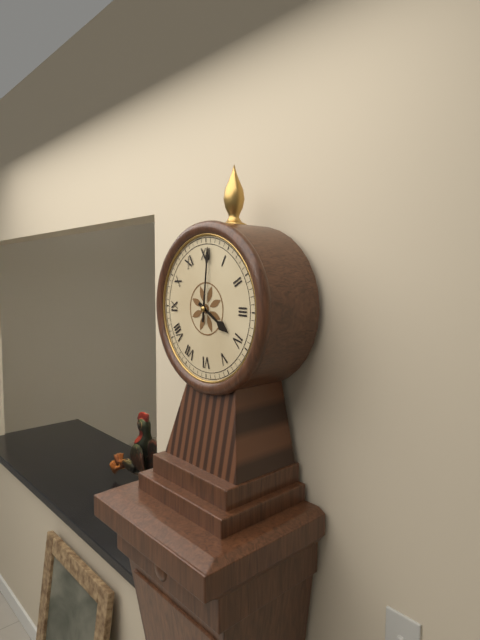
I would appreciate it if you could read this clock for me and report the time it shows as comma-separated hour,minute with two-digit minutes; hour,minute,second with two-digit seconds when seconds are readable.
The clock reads 4,01
